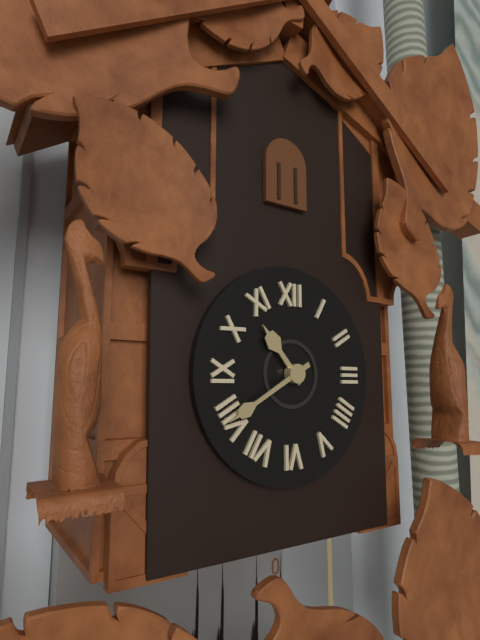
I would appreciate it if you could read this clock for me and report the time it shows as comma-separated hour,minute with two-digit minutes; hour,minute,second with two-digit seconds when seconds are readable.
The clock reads 10,40
